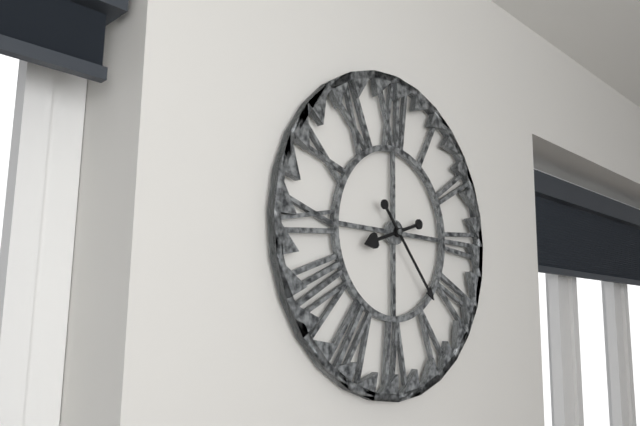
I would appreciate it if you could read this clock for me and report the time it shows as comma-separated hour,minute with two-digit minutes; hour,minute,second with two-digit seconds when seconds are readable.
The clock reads 8,23
